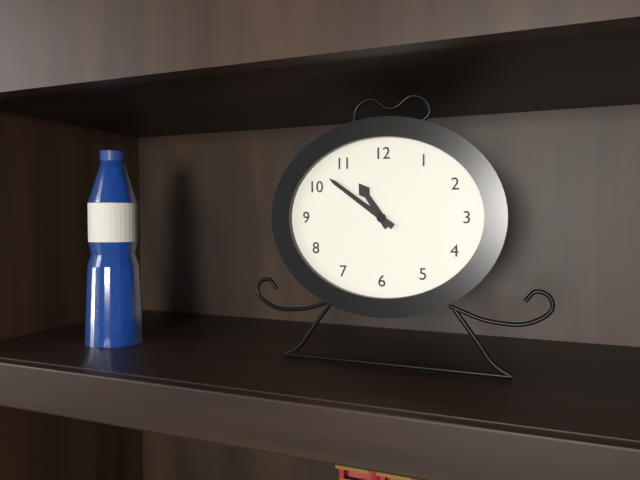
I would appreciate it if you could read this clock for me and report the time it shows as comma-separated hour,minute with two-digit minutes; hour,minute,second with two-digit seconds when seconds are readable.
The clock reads 10,51
